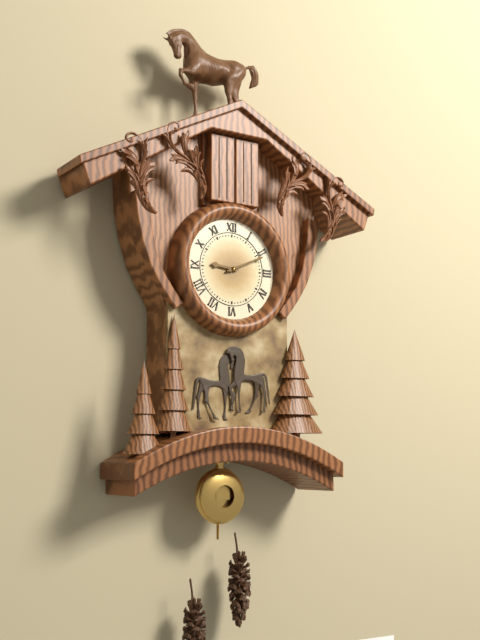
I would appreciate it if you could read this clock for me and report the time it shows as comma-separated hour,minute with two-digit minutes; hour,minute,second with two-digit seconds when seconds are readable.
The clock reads 9,11
